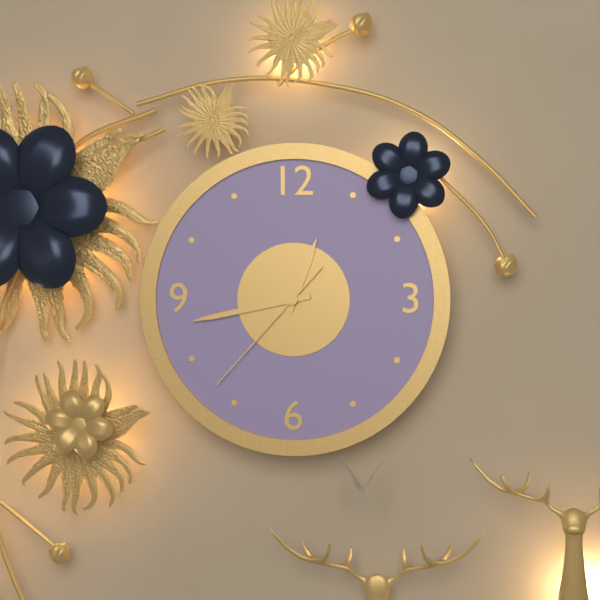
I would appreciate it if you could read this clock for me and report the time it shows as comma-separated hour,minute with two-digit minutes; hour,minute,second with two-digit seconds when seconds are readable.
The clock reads 12,43,37
